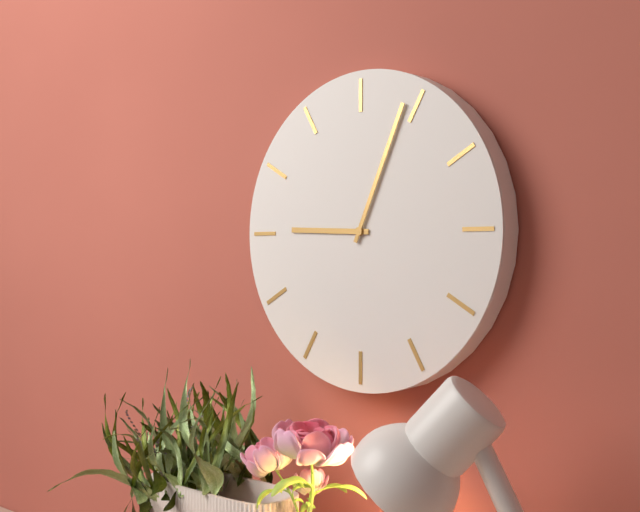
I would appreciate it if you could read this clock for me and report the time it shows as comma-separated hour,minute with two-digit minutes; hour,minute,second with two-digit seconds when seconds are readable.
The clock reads 9,04
